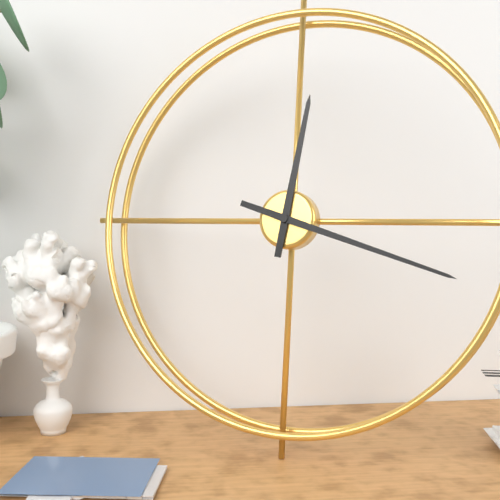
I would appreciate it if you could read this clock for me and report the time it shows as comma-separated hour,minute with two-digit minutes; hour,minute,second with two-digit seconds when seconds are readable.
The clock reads 12,18
